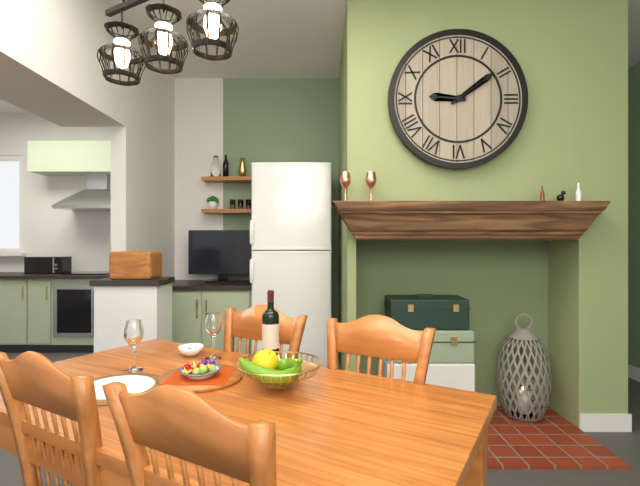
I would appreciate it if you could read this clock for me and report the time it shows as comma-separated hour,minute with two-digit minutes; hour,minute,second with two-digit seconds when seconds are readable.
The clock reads 9,09
